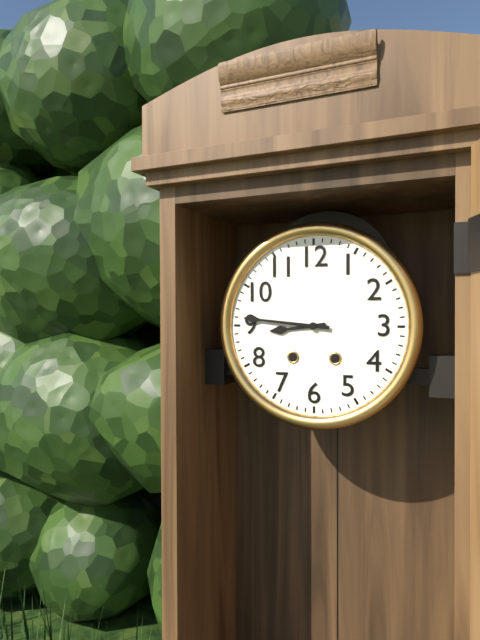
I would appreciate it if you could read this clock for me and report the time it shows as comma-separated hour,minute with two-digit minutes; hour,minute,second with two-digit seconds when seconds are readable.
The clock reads 8,46
